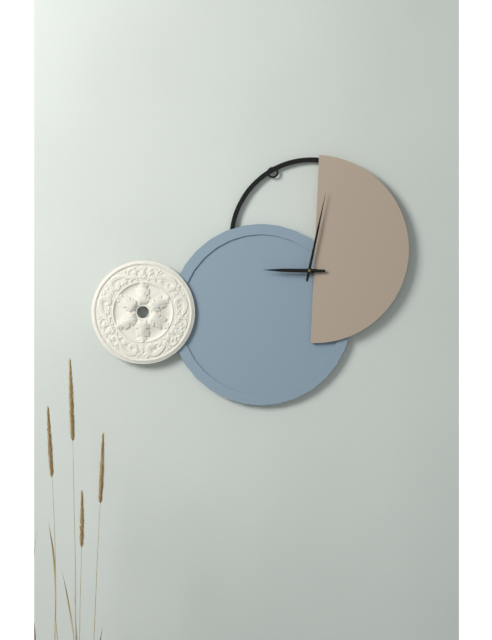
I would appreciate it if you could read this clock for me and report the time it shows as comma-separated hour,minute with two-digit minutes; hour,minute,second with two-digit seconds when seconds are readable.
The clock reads 9,02
